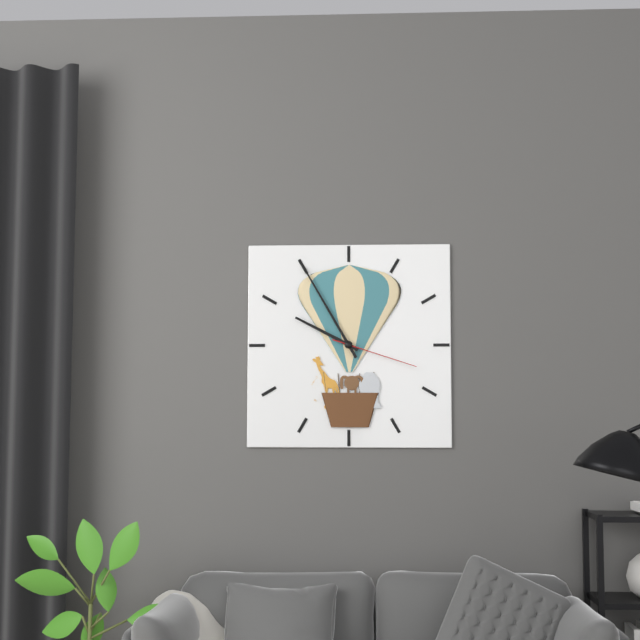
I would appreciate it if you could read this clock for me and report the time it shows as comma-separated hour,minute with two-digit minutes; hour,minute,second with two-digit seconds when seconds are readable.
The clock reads 9,55,18
